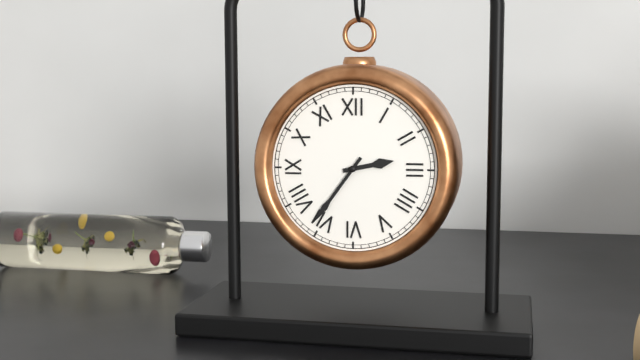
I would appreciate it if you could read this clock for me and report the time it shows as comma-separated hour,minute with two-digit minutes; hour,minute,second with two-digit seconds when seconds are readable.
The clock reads 2,36
